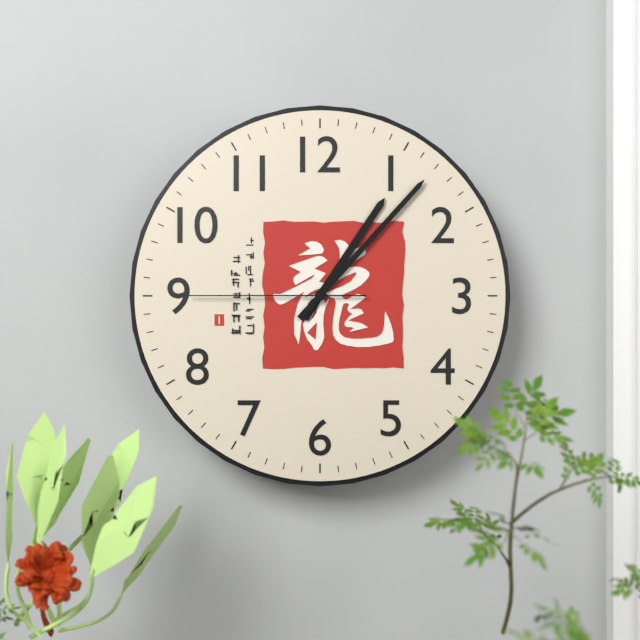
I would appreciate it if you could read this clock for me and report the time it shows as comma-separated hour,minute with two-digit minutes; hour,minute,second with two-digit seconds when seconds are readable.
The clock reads 1,07,45
